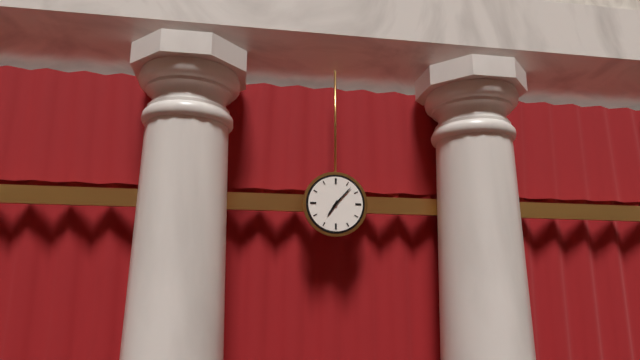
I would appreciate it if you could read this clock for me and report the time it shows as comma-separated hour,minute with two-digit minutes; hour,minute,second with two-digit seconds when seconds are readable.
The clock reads 7,07
